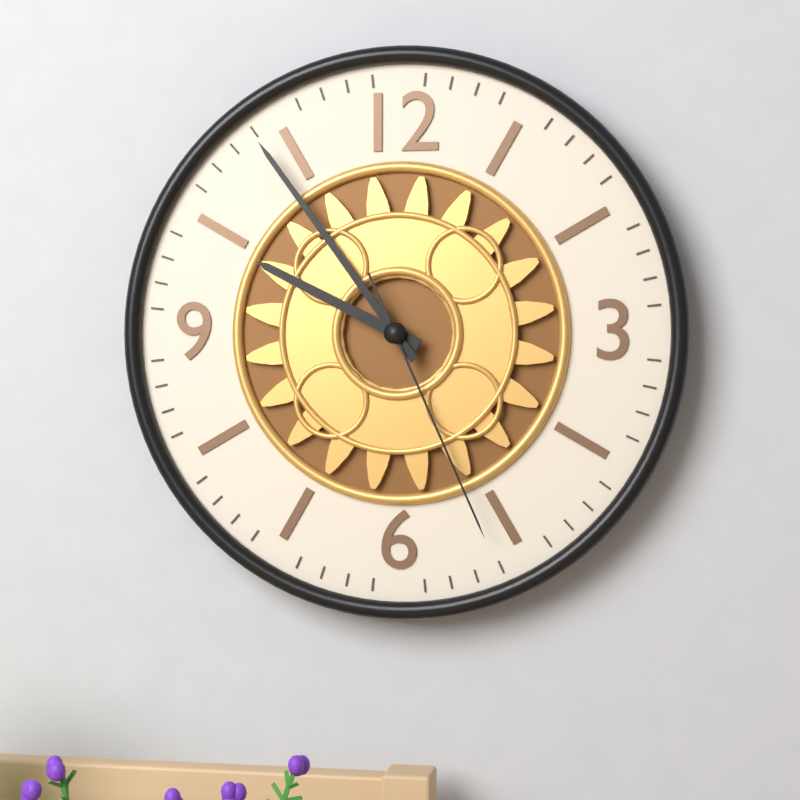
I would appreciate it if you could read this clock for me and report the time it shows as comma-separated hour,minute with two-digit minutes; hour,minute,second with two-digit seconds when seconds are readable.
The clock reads 9,54,26
